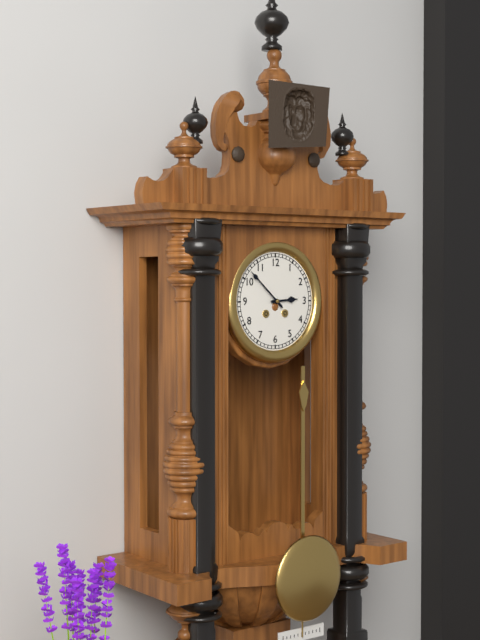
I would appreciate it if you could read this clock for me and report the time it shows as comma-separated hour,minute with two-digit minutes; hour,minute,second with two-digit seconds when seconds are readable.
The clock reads 2,52
